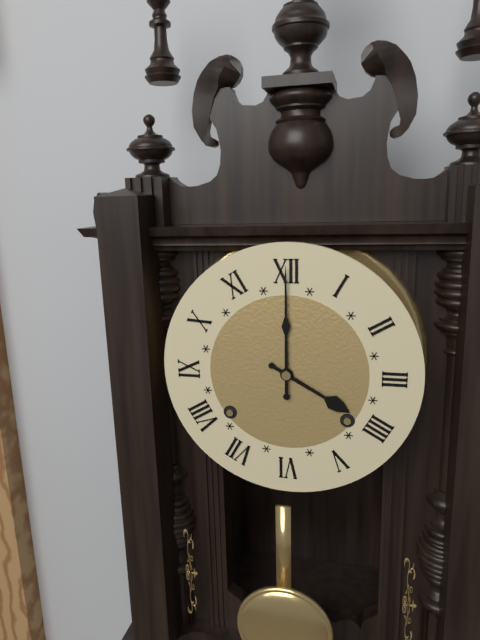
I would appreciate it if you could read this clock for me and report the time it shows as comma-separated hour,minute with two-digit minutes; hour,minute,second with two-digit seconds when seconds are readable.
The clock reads 4,00
